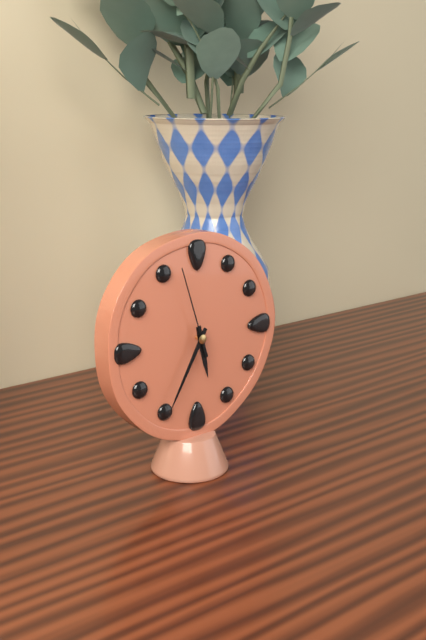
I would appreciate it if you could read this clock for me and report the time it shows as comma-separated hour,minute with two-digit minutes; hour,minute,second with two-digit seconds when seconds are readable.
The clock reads 5,35,57
